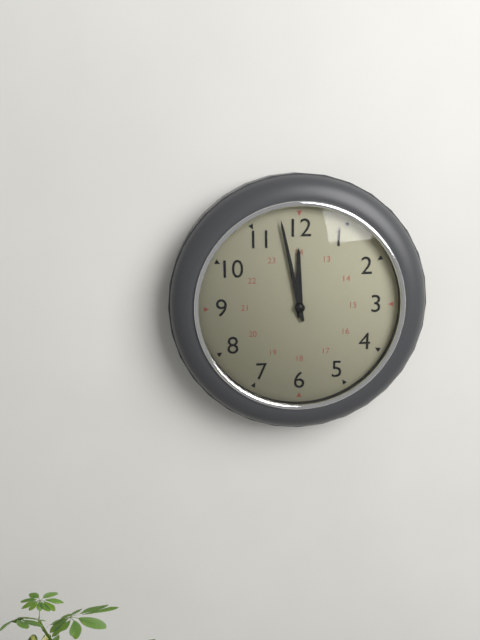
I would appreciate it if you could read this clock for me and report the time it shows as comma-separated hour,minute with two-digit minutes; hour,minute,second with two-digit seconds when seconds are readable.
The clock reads 11,58
